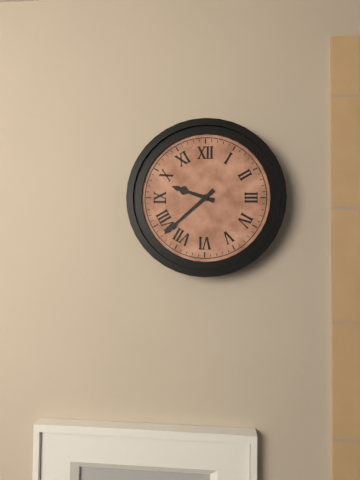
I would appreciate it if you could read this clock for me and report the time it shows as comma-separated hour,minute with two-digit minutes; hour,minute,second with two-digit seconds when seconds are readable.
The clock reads 9,38
